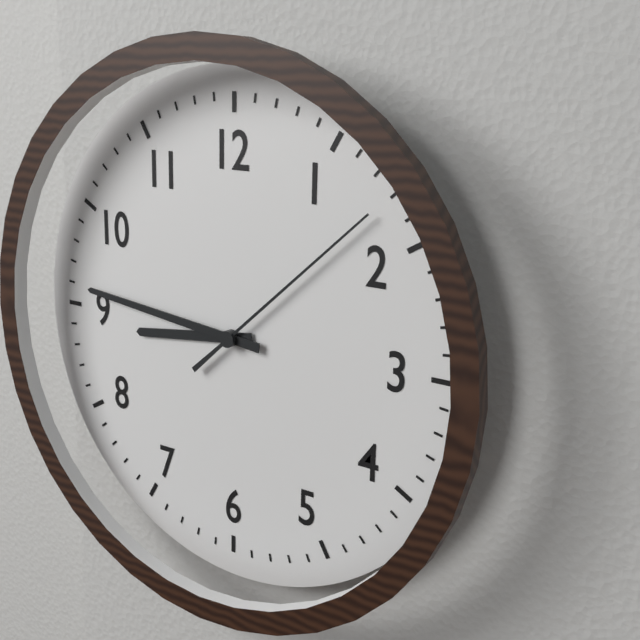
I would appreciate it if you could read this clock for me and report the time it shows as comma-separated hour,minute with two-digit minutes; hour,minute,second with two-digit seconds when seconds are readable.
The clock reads 8,46,08
